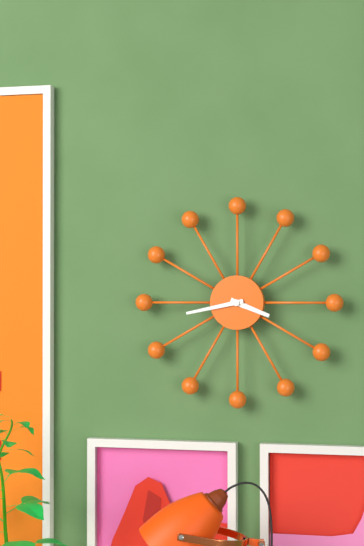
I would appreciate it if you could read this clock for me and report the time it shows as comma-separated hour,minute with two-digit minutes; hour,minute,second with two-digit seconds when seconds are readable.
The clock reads 3,43
